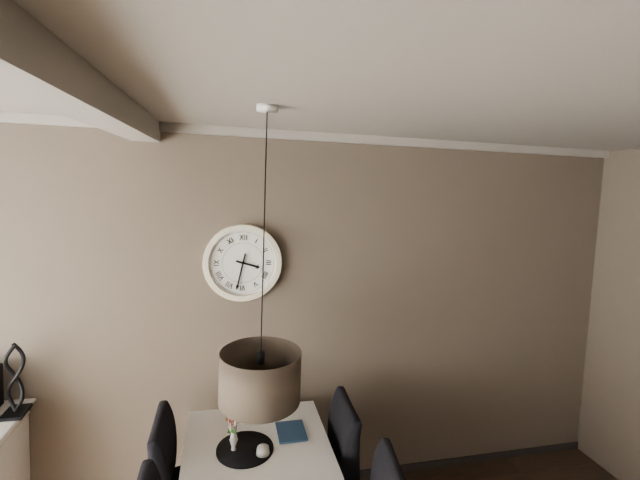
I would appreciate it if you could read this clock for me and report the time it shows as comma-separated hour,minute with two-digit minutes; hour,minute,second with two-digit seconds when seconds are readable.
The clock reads 3,32
